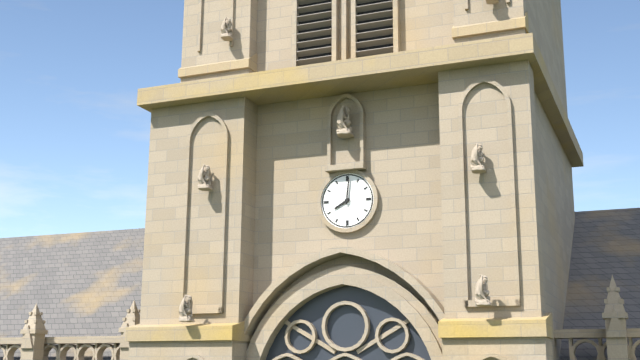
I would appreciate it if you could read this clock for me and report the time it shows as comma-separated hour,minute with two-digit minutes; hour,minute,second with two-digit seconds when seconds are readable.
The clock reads 8,01
